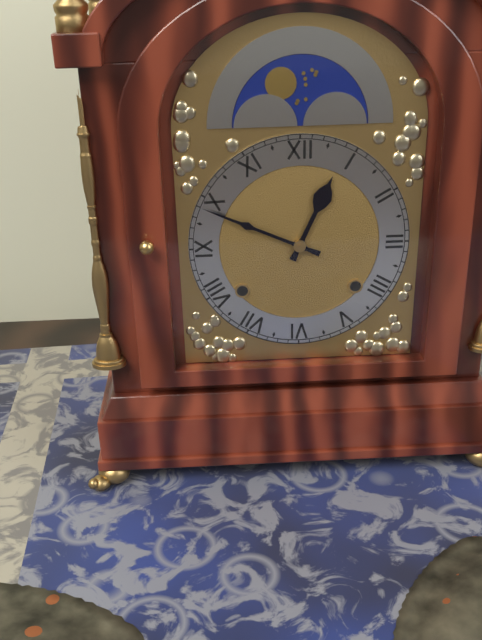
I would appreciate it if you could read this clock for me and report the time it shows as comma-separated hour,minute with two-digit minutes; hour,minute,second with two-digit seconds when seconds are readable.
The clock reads 12,49
